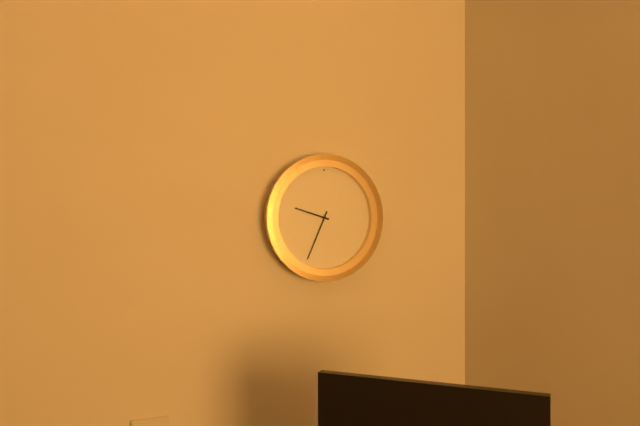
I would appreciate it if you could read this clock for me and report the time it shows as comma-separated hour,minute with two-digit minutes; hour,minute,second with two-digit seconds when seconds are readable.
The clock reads 9,34
